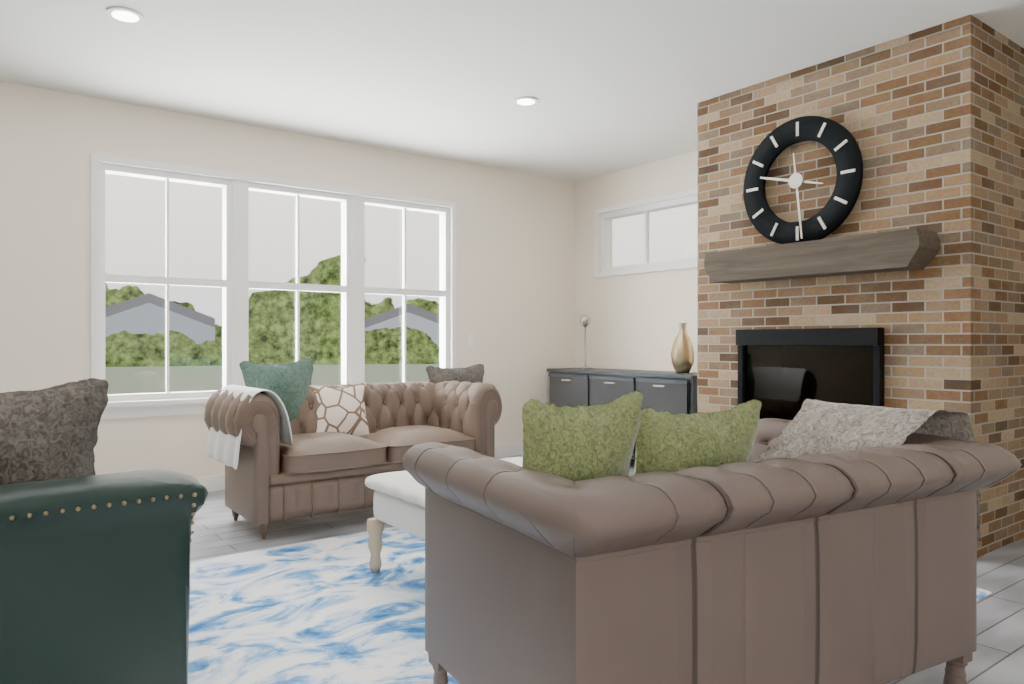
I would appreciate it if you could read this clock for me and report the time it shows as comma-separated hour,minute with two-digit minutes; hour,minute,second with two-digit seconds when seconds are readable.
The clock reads 9,29
